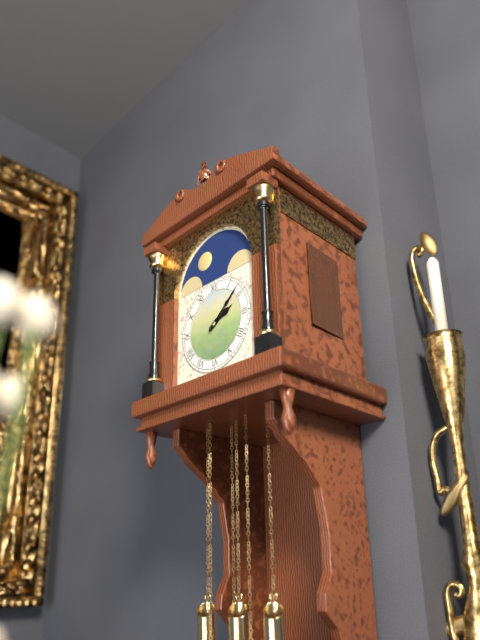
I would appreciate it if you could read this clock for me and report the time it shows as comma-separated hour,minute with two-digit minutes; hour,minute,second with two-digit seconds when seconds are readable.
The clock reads 2,08
